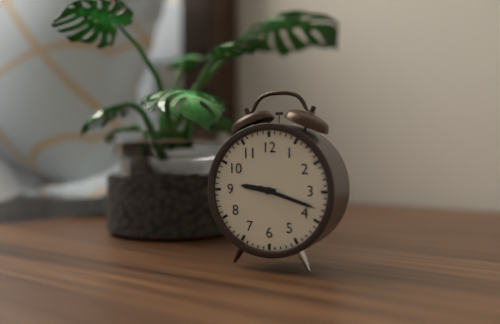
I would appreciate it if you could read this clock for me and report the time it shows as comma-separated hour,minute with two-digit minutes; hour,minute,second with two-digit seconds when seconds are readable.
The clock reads 9,18
